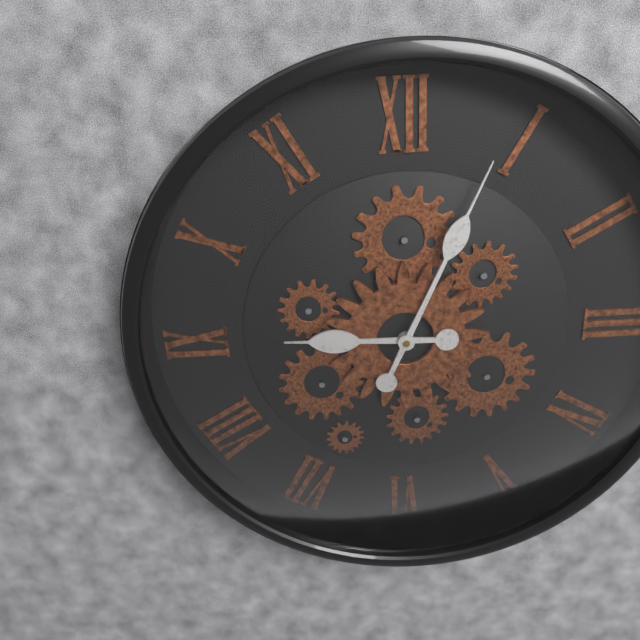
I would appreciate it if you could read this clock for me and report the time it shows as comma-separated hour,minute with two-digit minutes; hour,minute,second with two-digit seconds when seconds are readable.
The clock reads 9,04
